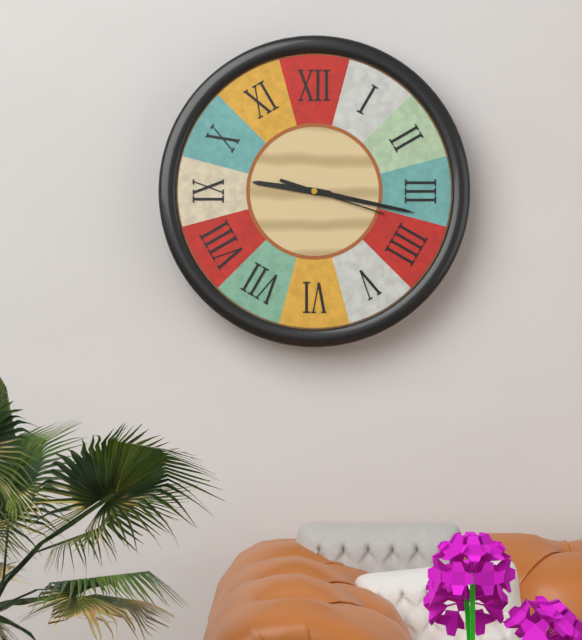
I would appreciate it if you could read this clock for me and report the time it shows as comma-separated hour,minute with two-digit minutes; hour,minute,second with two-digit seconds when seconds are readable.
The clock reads 9,17,18
